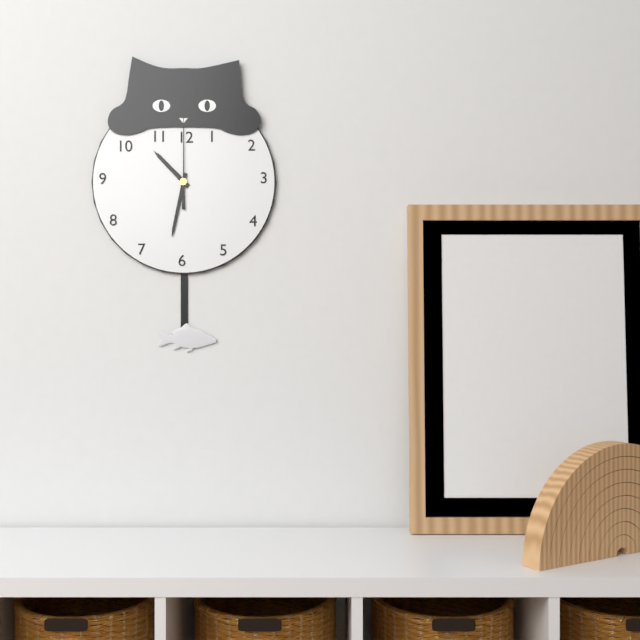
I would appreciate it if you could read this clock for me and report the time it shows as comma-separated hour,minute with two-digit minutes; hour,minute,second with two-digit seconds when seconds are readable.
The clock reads 10,32,00
